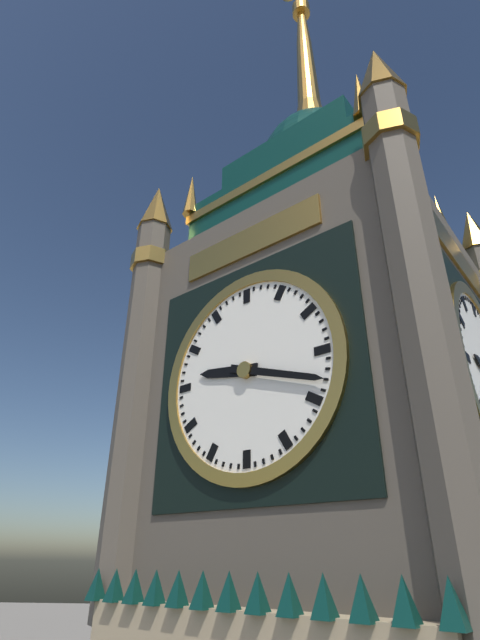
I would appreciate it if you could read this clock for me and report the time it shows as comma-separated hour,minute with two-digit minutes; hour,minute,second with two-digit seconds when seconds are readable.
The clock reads 9,18
